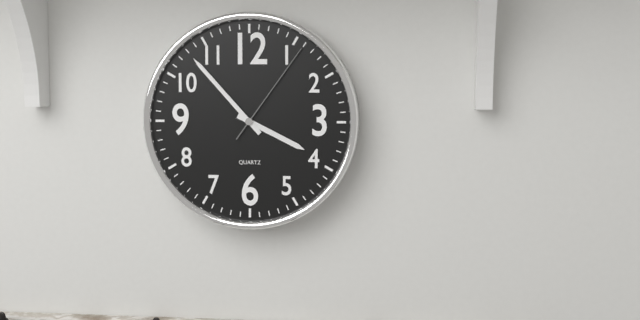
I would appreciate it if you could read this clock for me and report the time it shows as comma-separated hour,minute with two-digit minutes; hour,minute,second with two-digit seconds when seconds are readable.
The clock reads 3,53,06
